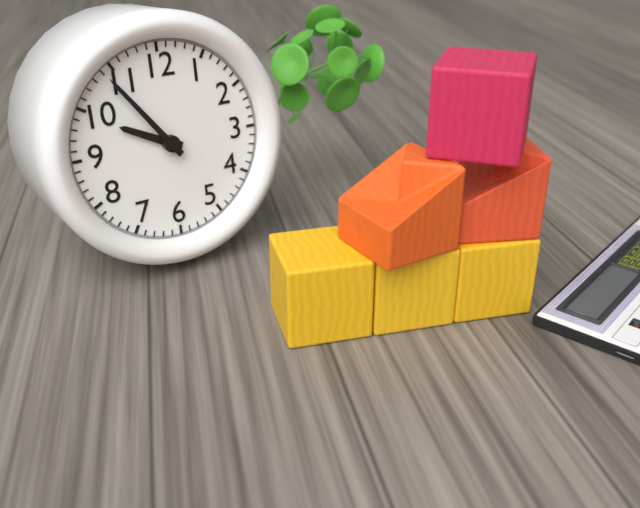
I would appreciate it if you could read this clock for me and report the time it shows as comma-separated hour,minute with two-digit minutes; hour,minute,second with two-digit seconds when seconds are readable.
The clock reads 9,54
